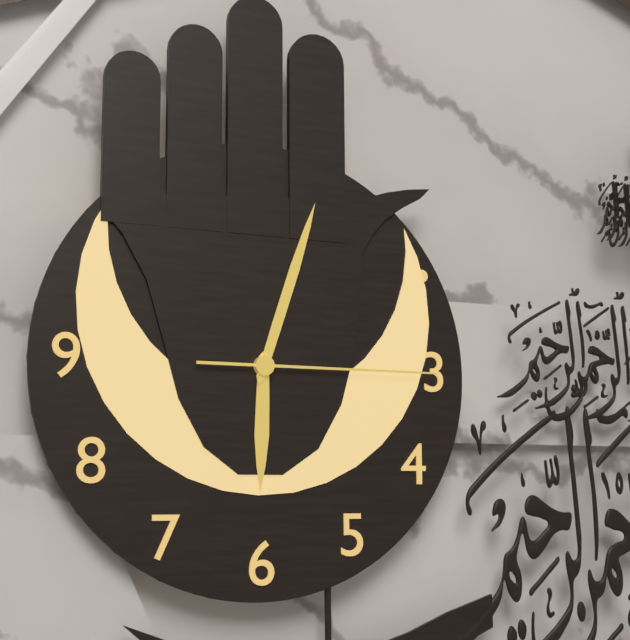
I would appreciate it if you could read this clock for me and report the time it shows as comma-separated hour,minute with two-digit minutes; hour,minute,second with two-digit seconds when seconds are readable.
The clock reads 6,03,15
